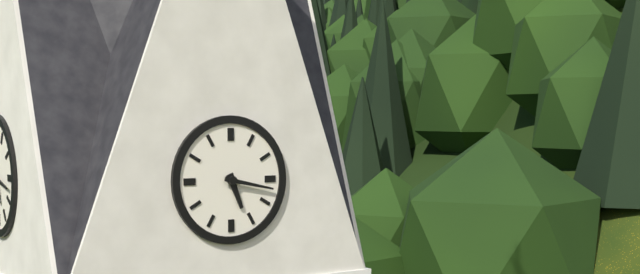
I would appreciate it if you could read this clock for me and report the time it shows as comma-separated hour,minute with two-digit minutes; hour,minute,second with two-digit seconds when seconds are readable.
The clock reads 5,17
